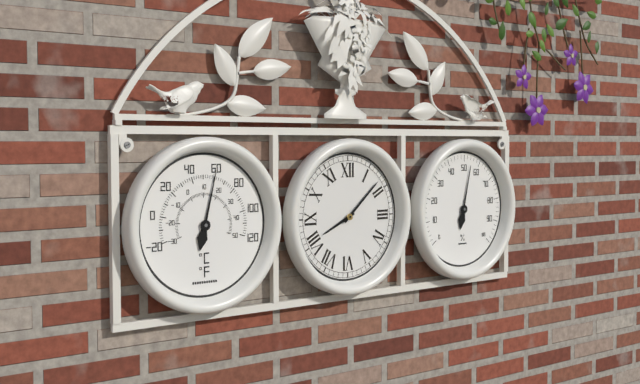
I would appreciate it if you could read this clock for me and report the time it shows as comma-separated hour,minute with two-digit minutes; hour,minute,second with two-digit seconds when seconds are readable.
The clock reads 8,08
